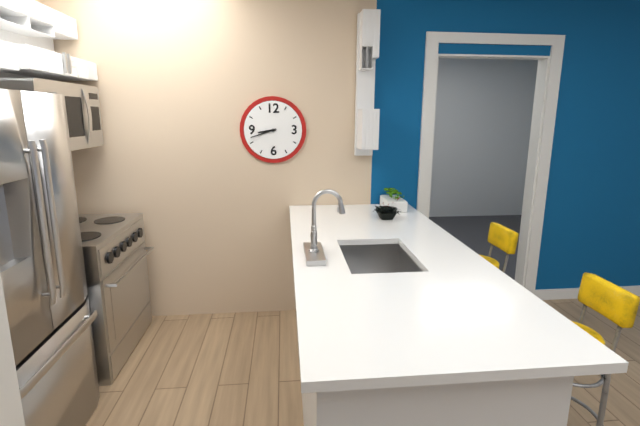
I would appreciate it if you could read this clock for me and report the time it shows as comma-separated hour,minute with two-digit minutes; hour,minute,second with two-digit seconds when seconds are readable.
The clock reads 8,42
